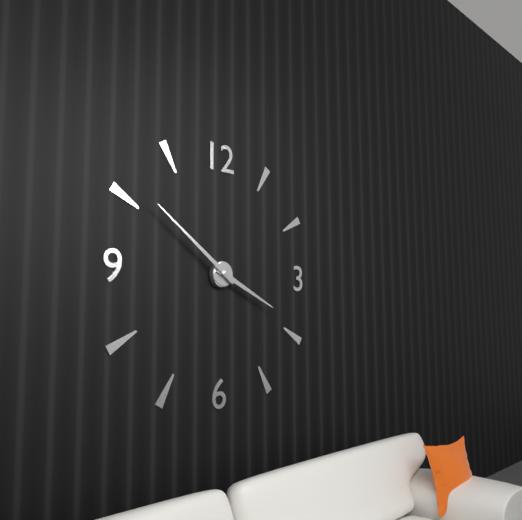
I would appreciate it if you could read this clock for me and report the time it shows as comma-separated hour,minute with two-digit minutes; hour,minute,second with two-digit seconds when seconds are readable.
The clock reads 3,51
